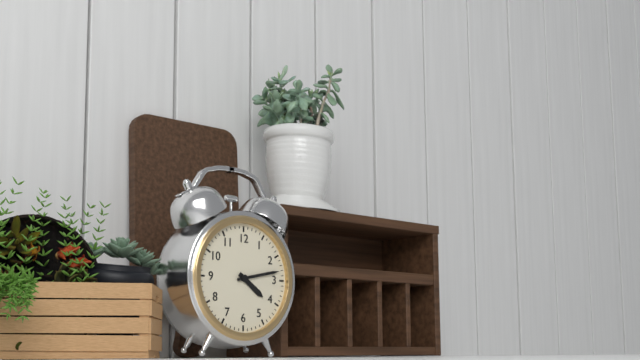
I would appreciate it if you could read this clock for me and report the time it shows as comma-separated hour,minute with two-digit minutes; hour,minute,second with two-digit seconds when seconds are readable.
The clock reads 4,13
